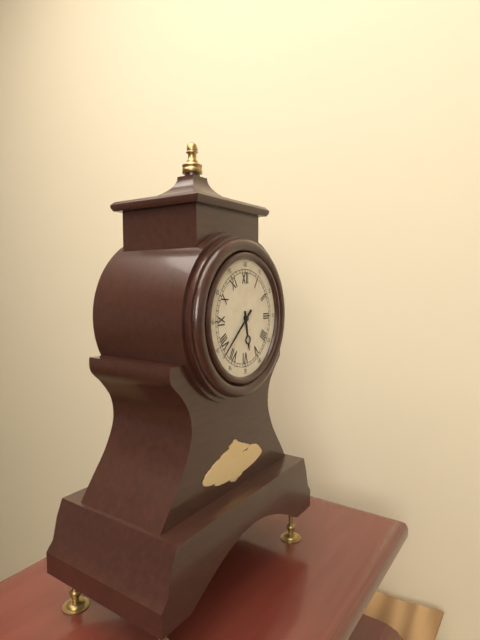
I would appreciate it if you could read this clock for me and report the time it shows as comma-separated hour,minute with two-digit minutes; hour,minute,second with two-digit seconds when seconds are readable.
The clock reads 5,38
